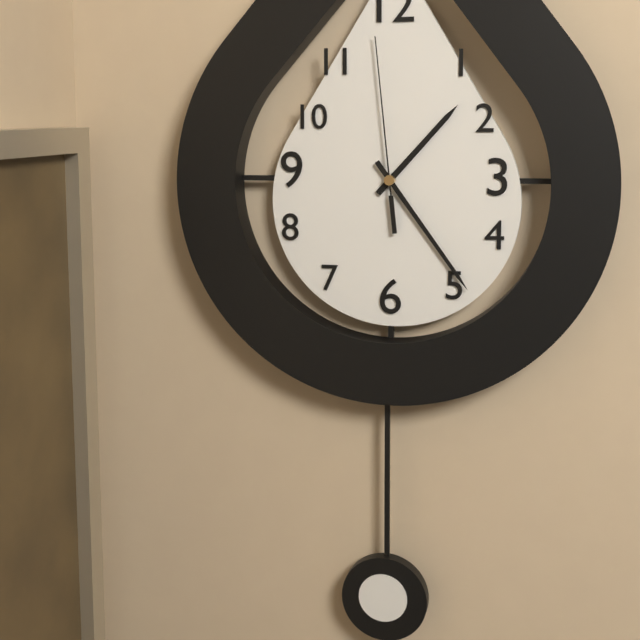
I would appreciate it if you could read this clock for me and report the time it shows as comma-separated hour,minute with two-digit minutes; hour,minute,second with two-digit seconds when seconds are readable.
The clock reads 1,24,59
